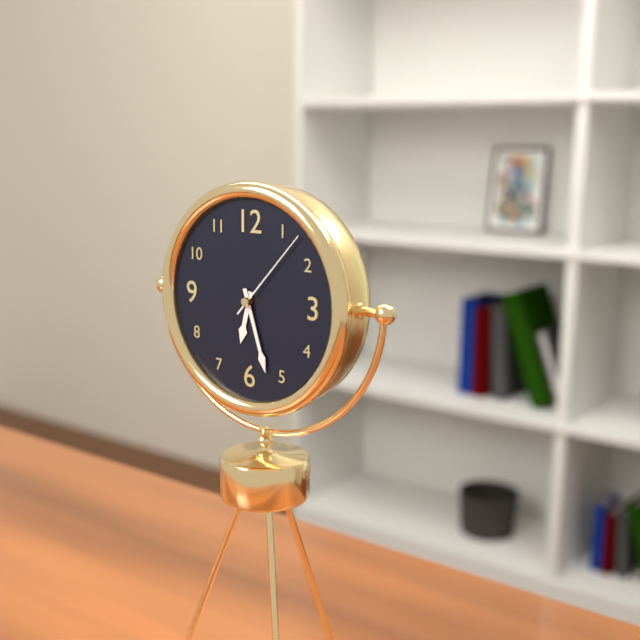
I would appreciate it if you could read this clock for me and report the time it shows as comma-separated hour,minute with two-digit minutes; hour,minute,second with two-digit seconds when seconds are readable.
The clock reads 6,27,07
